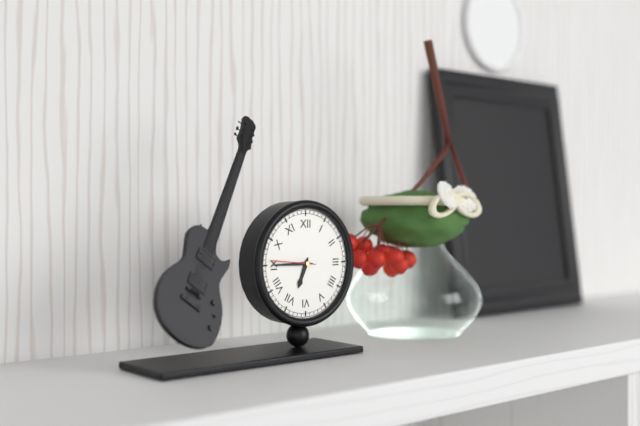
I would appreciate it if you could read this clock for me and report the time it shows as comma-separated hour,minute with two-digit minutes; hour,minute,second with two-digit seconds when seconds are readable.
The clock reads 6,45
